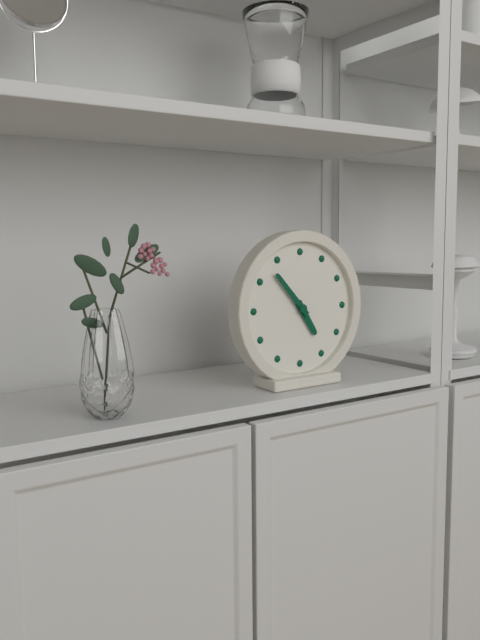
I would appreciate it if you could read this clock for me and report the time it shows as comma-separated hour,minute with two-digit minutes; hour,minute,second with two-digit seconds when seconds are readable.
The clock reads 4,53
